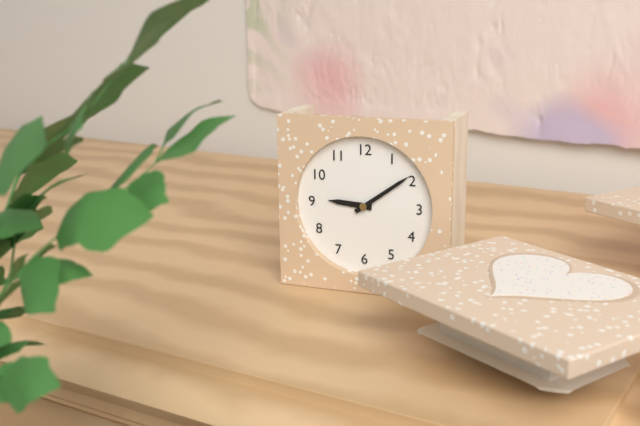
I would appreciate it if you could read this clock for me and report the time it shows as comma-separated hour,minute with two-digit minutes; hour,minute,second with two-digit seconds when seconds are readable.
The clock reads 9,09
